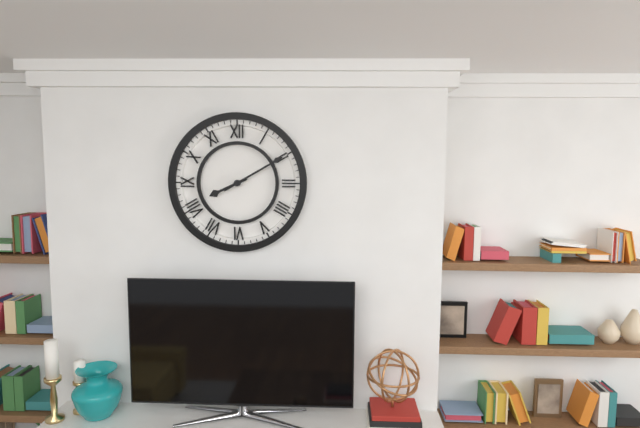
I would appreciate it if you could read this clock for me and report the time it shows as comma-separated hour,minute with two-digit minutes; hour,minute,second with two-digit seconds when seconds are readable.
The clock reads 8,10
